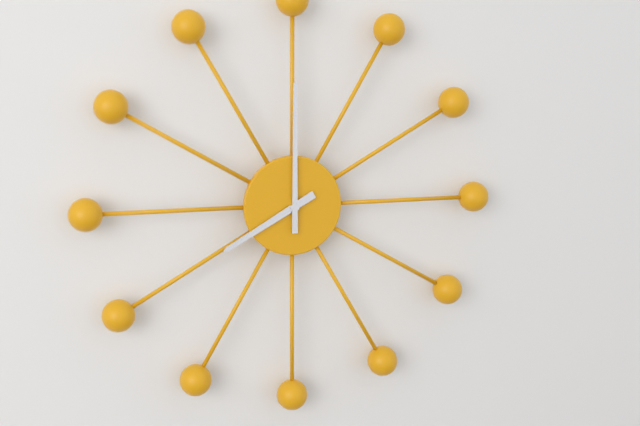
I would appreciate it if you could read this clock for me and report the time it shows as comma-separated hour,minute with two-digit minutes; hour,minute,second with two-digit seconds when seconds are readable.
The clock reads 8,00
